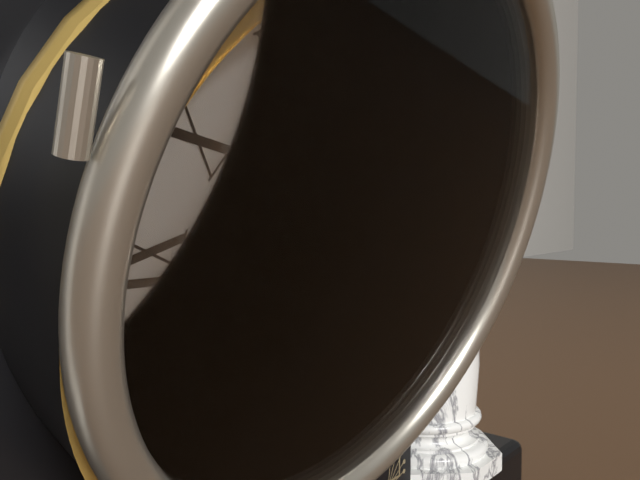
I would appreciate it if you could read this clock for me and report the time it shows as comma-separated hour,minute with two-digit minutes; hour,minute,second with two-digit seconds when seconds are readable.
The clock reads 12,03
